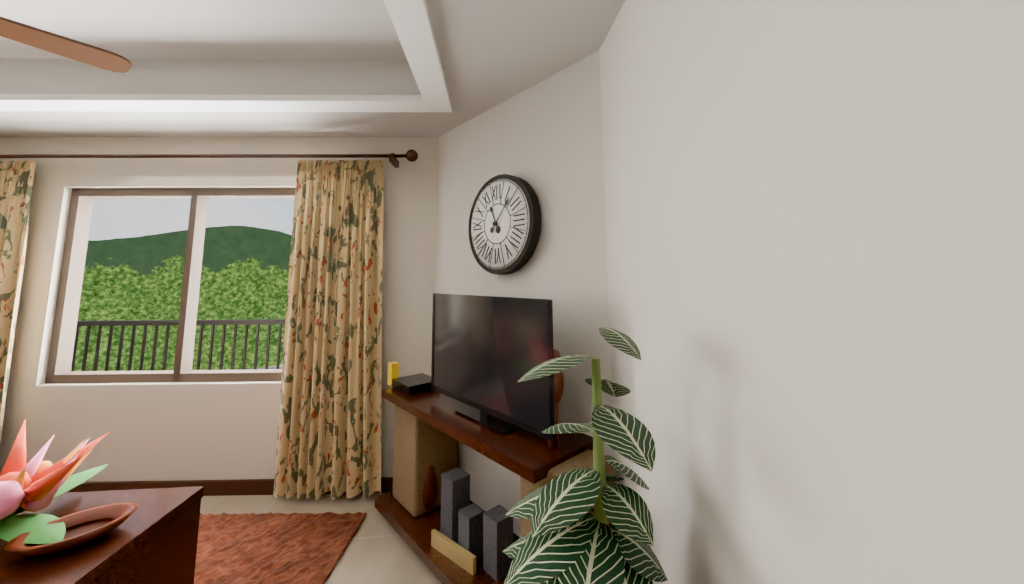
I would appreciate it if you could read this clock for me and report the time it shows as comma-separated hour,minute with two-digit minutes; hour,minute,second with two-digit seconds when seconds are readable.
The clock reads 11,07
